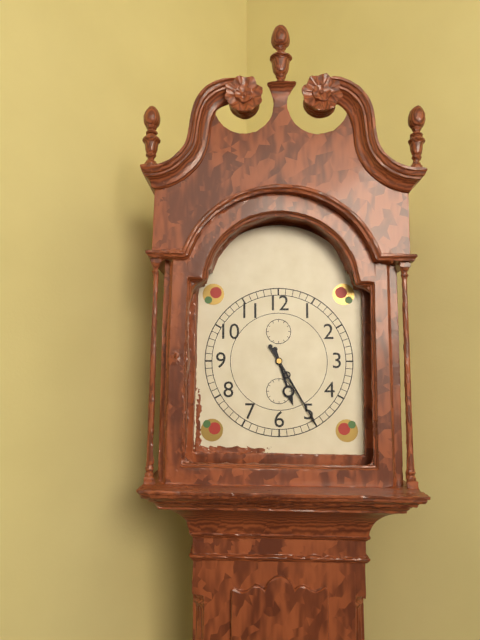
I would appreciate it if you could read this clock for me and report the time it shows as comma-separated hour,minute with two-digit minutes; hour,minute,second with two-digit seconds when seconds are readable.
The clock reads 5,25
